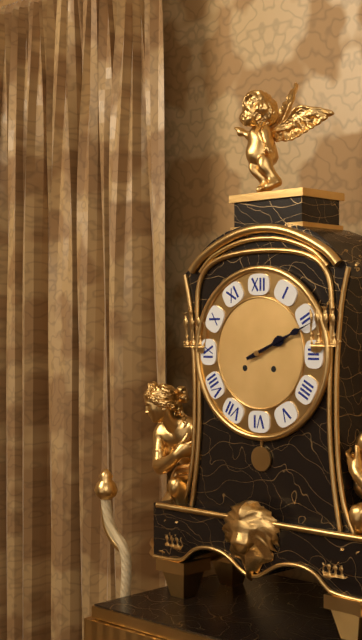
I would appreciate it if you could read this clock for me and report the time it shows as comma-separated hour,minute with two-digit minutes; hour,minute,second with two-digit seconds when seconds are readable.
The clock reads 2,11
